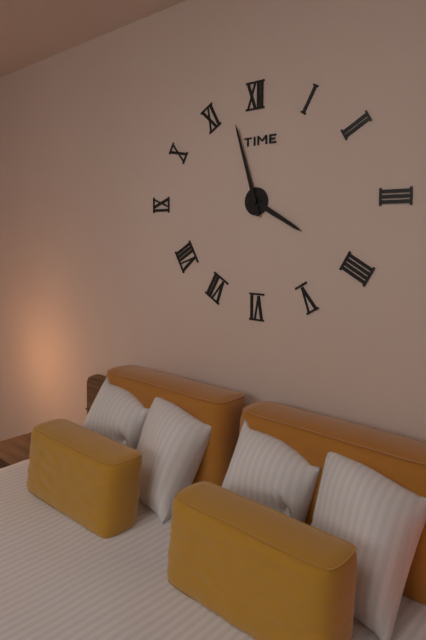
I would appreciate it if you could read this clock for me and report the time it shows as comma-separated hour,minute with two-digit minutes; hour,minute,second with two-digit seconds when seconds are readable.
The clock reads 3,57
